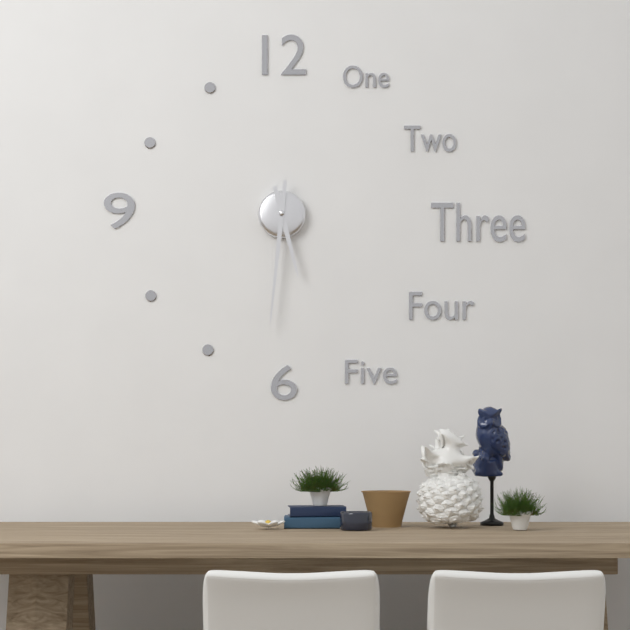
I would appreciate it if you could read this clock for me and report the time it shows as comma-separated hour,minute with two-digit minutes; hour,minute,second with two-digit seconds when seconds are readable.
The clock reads 5,31
